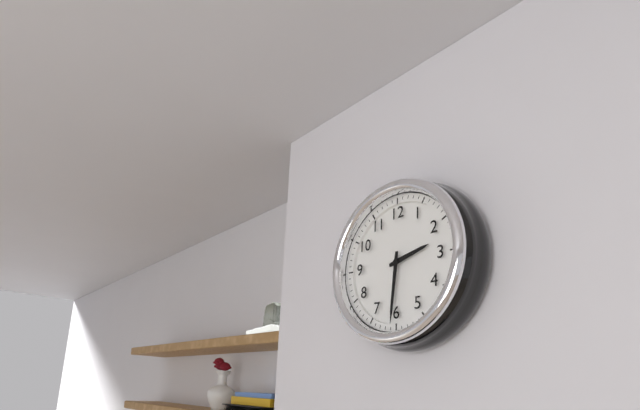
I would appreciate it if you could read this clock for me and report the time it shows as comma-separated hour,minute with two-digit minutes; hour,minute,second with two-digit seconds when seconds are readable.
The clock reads 2,31
